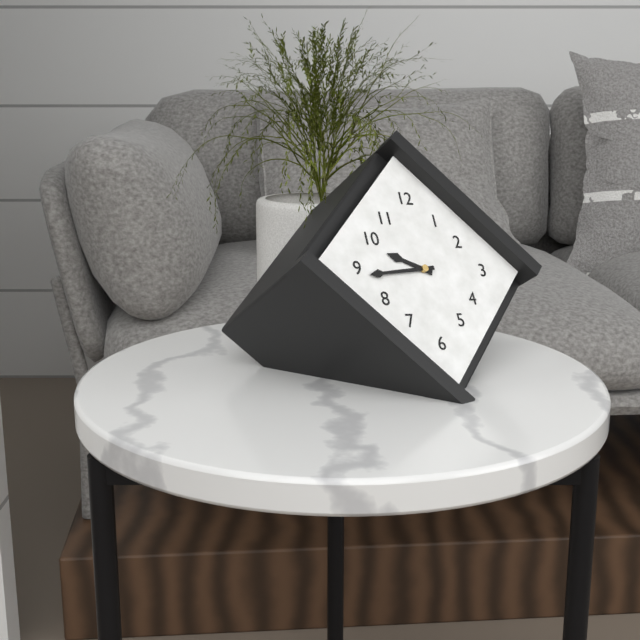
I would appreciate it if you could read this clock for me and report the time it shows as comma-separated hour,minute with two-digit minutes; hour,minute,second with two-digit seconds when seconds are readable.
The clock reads 9,44
